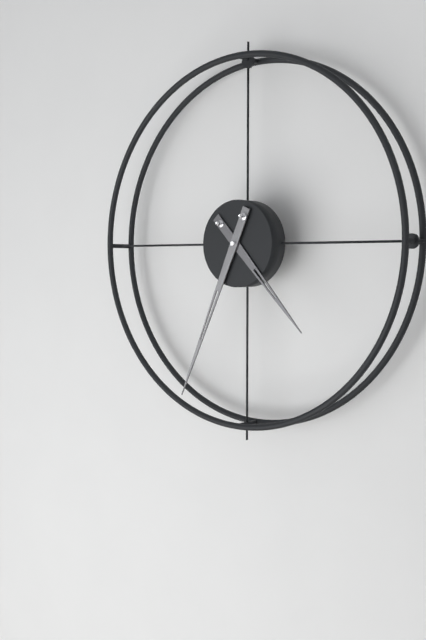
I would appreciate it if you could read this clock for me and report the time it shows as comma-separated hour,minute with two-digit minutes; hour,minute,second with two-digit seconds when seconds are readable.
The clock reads 4,34
